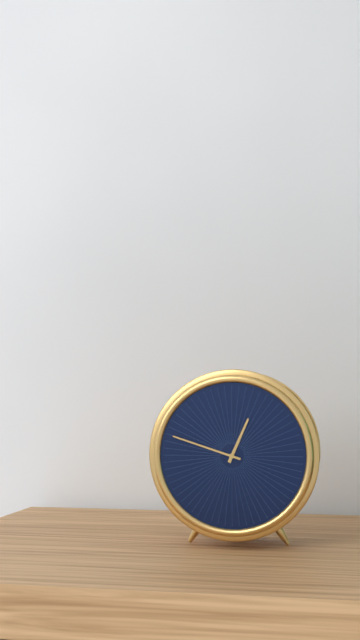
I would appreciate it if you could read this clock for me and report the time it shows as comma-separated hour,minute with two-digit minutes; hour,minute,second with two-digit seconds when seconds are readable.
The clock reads 12,48
